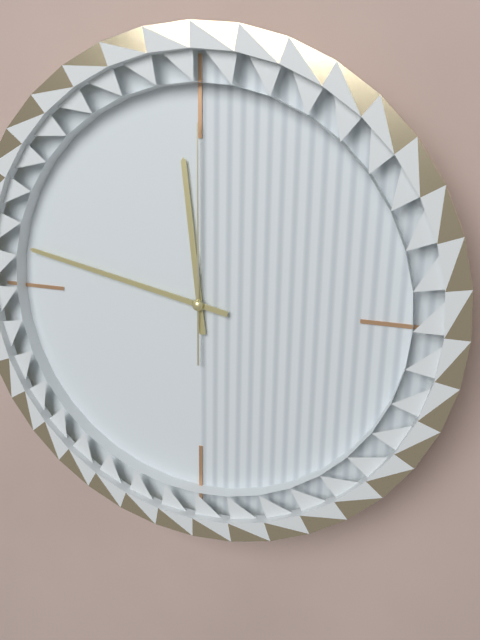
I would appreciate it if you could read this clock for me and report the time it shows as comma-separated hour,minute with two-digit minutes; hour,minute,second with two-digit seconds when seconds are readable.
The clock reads 11,47,00
